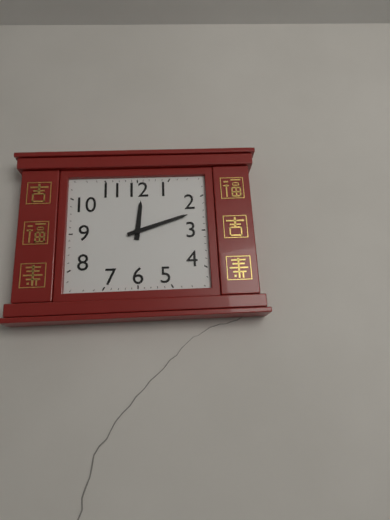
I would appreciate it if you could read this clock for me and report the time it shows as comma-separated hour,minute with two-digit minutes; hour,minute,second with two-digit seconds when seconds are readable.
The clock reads 12,12
